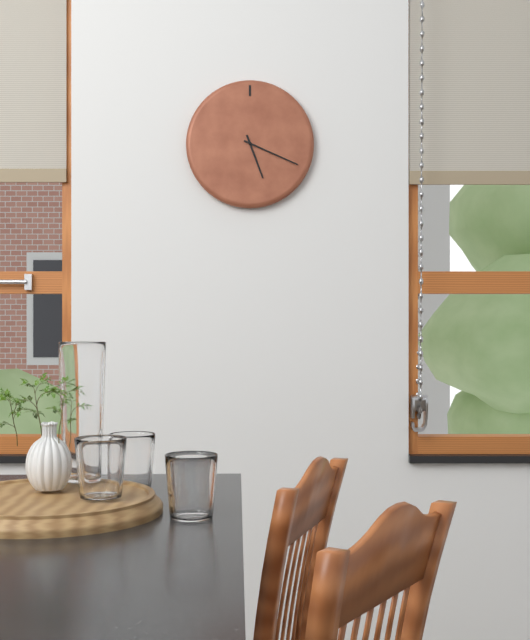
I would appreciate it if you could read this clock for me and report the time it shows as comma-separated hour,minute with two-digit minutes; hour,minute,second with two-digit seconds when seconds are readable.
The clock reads 5,19
